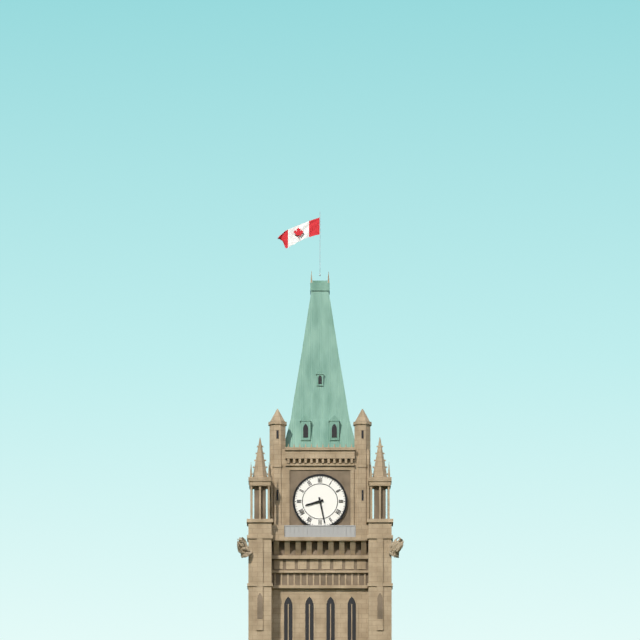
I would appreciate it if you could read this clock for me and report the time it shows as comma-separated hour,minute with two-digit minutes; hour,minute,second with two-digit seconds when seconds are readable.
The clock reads 8,28
